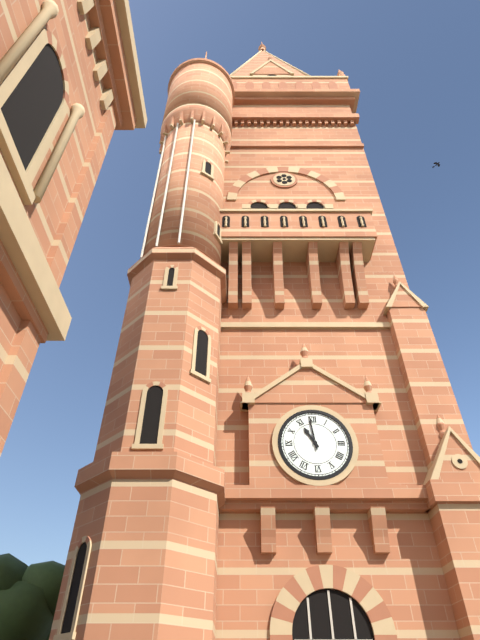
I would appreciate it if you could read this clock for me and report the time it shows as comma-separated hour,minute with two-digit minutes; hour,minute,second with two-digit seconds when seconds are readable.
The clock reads 10,59
